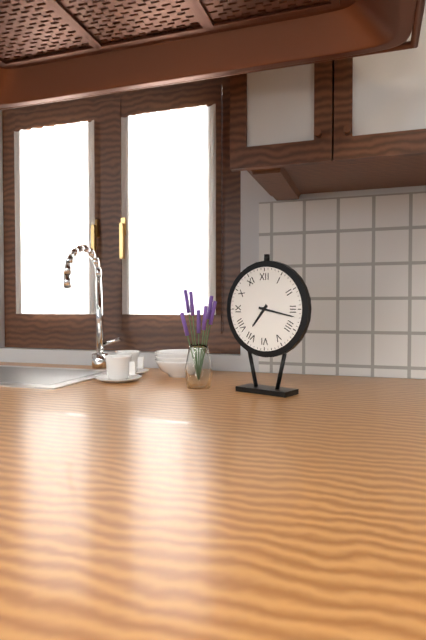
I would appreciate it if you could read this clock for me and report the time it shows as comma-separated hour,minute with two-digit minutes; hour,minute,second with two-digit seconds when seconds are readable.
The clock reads 7,17
